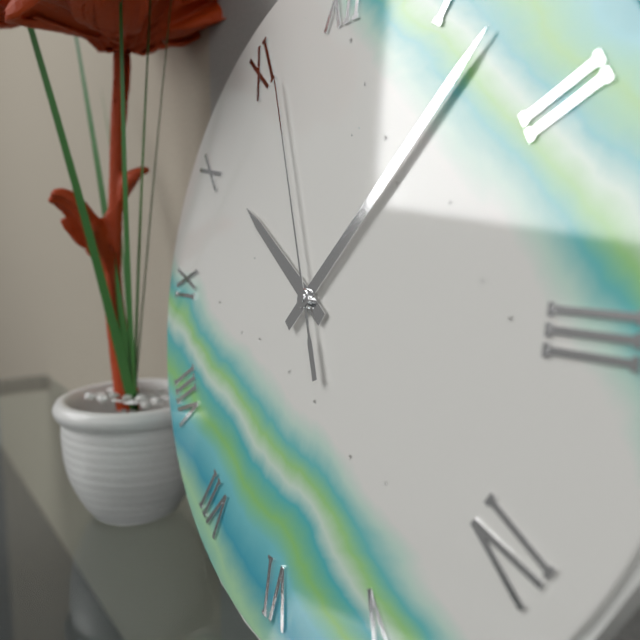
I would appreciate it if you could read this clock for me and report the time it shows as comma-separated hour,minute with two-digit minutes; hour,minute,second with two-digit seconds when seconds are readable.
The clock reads 10,07,56
